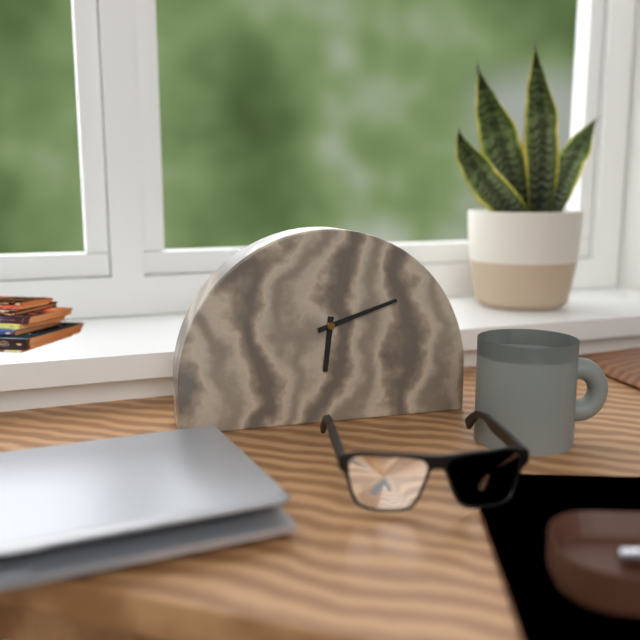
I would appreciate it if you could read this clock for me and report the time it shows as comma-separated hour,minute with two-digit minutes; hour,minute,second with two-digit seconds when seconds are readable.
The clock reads 6,12
